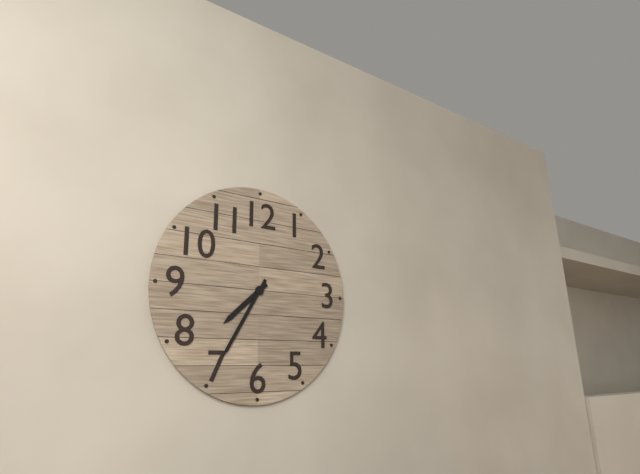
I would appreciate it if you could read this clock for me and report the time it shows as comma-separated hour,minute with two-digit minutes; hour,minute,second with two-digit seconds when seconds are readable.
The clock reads 7,35
